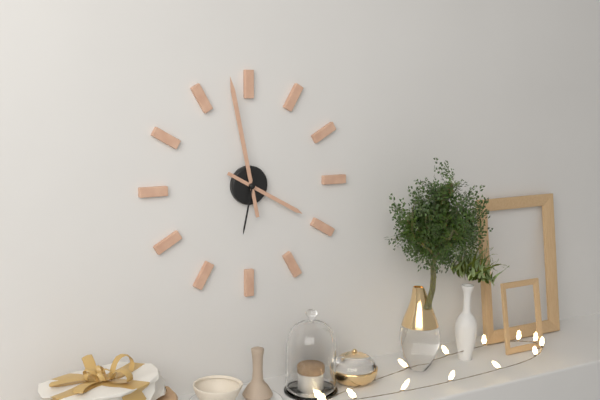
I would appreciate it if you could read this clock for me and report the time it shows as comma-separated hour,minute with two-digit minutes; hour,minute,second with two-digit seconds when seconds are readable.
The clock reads 3,58,32
